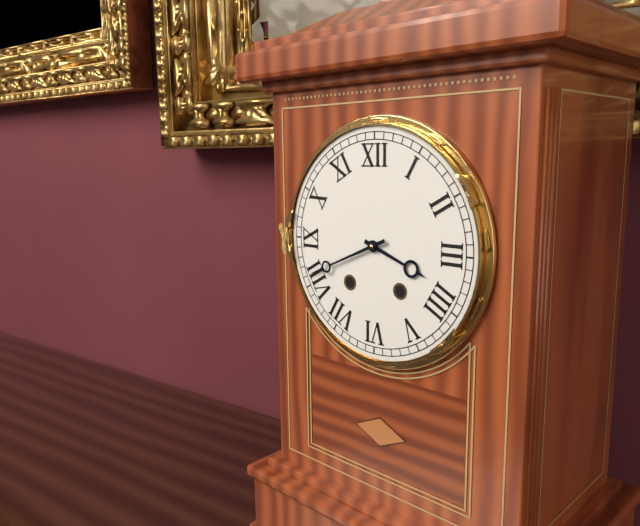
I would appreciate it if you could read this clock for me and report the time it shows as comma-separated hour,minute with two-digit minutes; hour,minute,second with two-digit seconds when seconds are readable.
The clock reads 3,41
